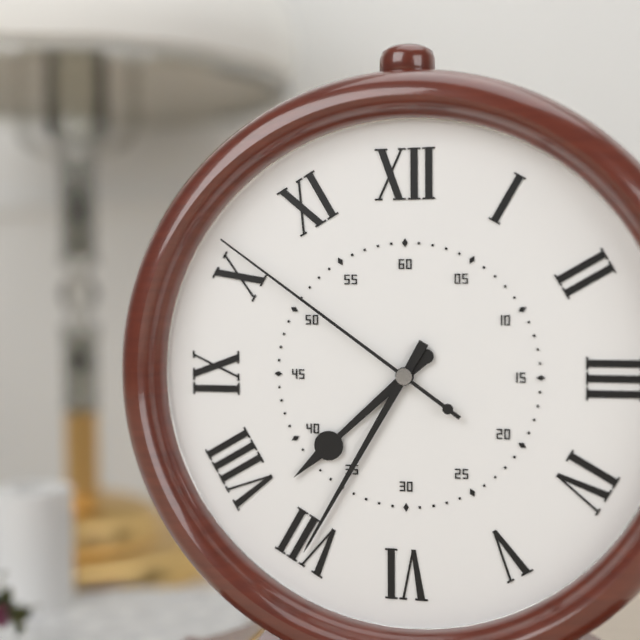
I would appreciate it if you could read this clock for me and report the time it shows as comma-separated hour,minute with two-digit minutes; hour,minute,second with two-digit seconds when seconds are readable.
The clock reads 7,35,51
